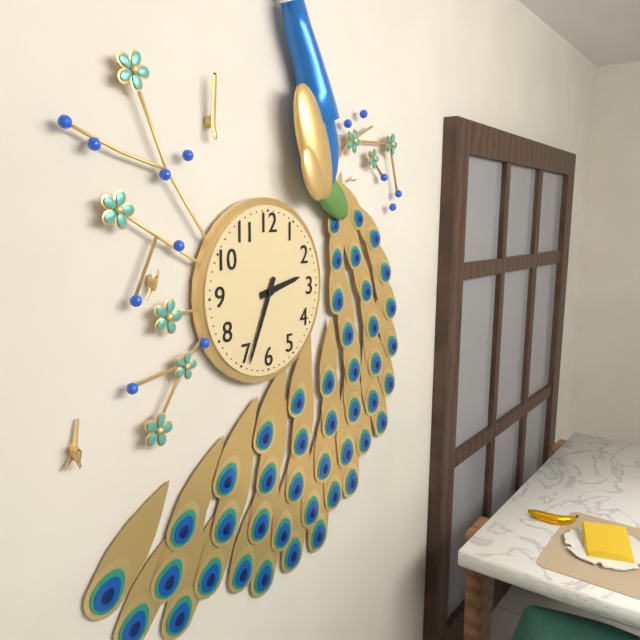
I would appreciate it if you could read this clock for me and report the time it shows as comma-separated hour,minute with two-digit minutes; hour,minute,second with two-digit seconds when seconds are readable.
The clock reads 2,34
